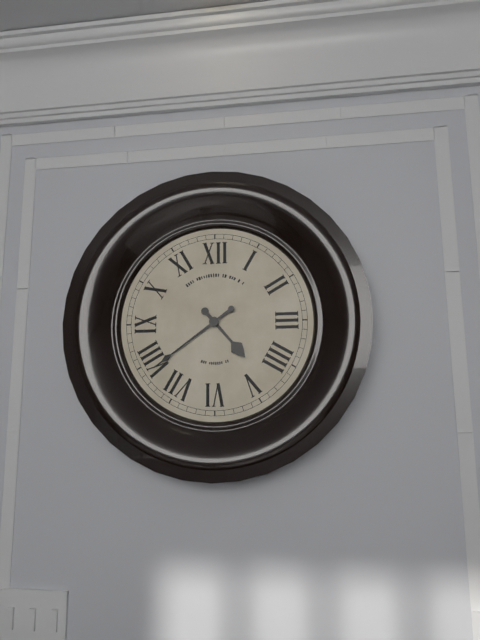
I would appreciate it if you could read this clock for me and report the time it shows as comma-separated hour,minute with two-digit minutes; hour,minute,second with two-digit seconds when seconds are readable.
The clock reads 4,39
